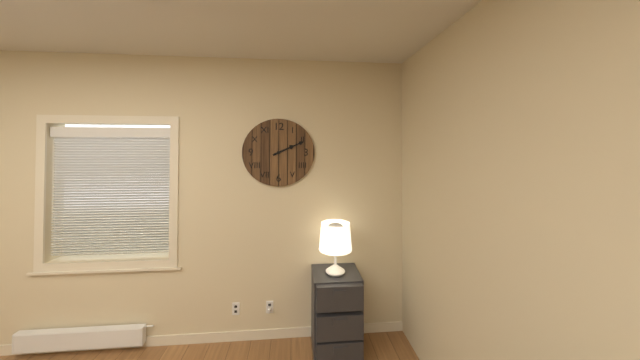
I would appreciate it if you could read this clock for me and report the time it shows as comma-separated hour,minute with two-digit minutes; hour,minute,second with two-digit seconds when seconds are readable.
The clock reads 2,11
